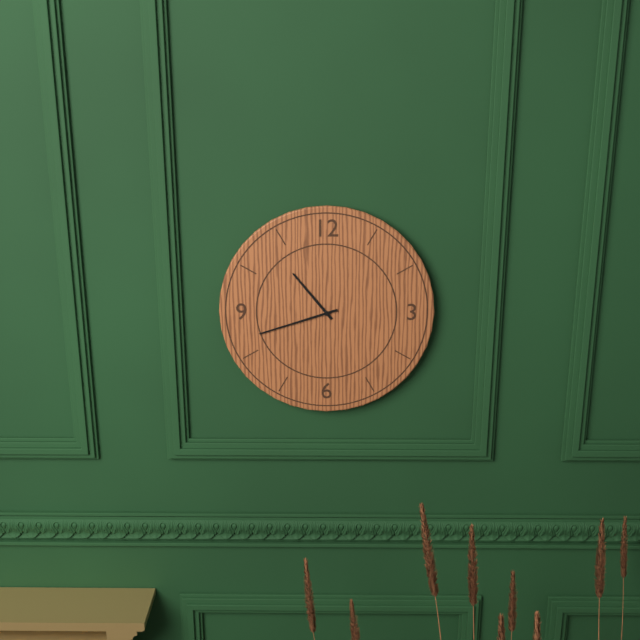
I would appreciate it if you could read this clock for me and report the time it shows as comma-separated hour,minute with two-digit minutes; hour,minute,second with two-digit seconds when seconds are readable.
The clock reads 10,42
